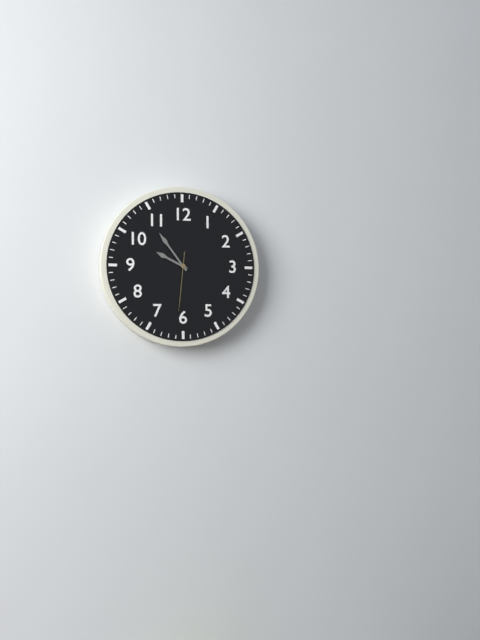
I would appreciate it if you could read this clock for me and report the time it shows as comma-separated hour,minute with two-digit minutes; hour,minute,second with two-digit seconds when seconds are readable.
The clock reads 9,54,31
